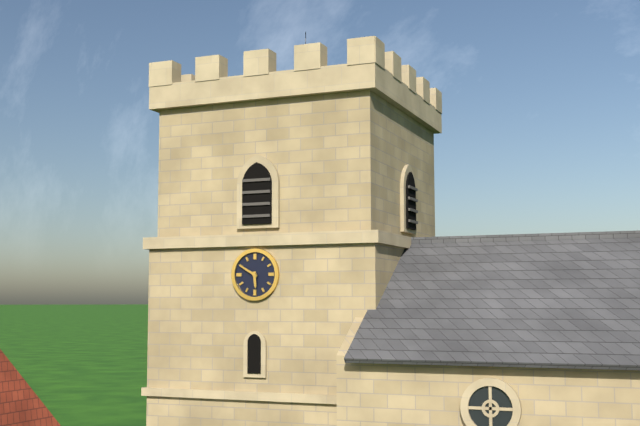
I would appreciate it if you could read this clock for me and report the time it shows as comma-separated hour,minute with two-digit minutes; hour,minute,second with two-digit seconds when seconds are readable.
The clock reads 5,50
